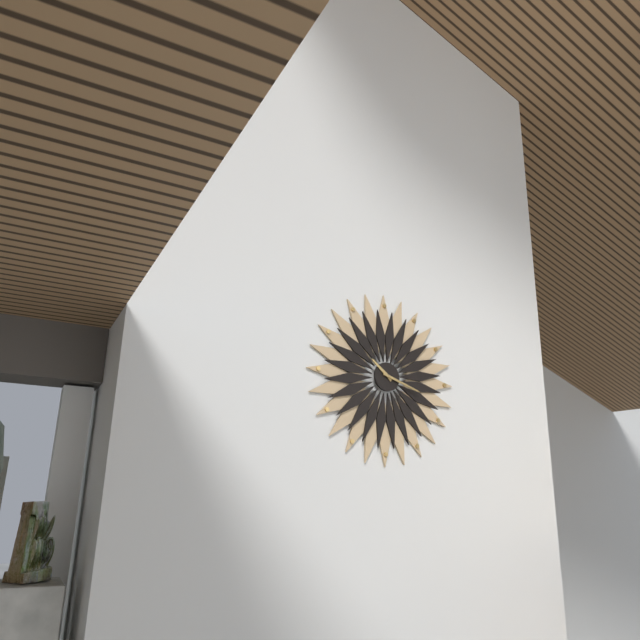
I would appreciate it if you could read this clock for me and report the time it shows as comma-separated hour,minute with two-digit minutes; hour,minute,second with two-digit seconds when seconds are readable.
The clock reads 10,18
